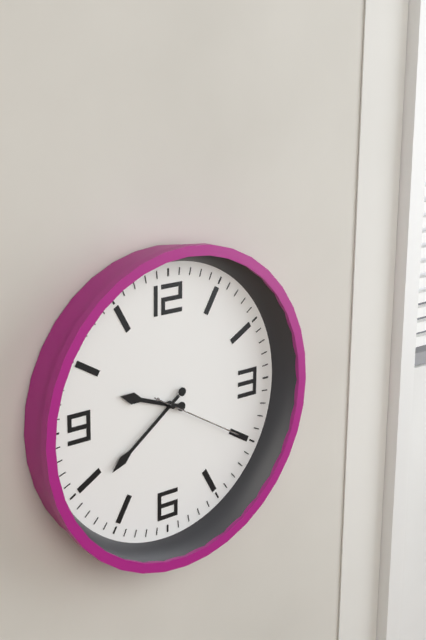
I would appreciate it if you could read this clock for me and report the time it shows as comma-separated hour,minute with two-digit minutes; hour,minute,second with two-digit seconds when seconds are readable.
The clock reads 9,39,20
